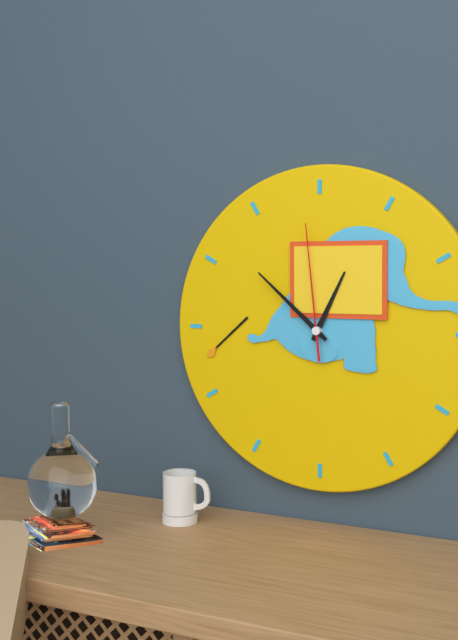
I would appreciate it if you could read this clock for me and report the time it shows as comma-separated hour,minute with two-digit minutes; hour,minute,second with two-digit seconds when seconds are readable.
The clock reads 12,52,59
